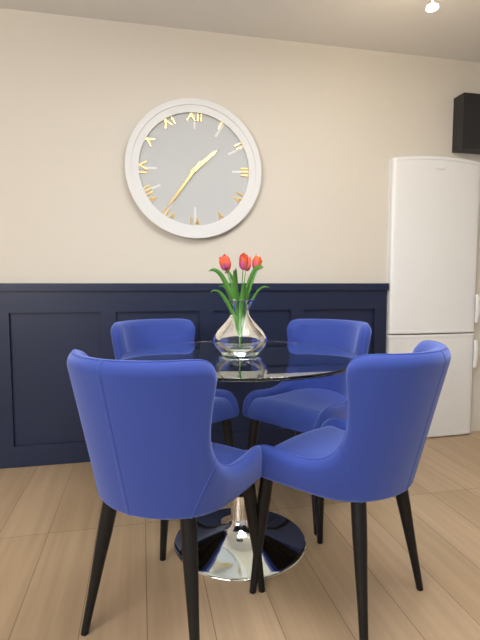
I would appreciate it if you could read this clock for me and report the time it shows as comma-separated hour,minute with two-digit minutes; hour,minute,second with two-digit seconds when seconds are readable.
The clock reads 1,36
